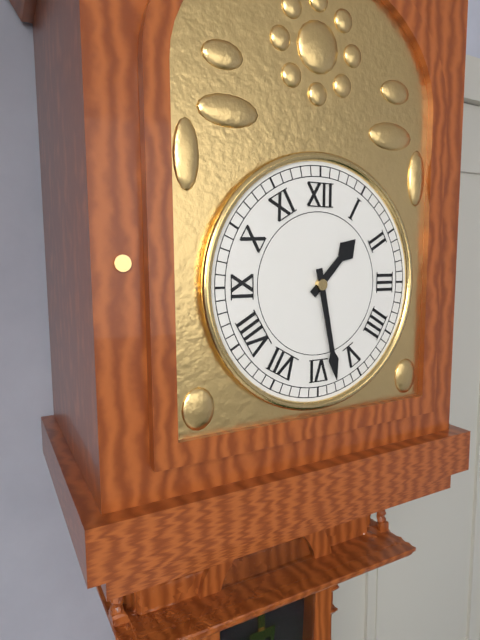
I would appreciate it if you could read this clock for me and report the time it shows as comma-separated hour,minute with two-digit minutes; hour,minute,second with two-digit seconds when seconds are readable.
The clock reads 1,28
